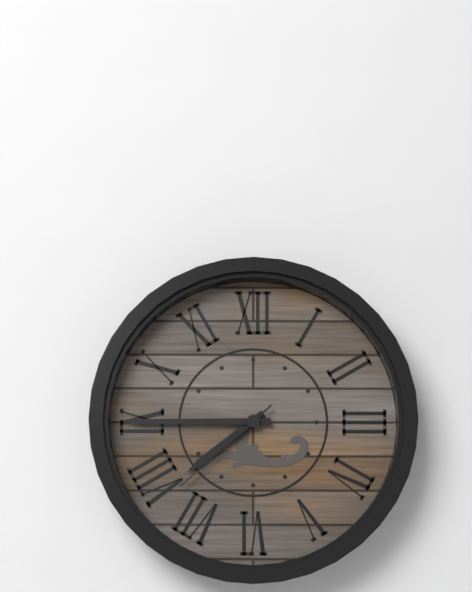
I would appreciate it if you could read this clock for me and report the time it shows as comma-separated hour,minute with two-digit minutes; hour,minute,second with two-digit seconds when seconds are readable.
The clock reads 7,45,38
